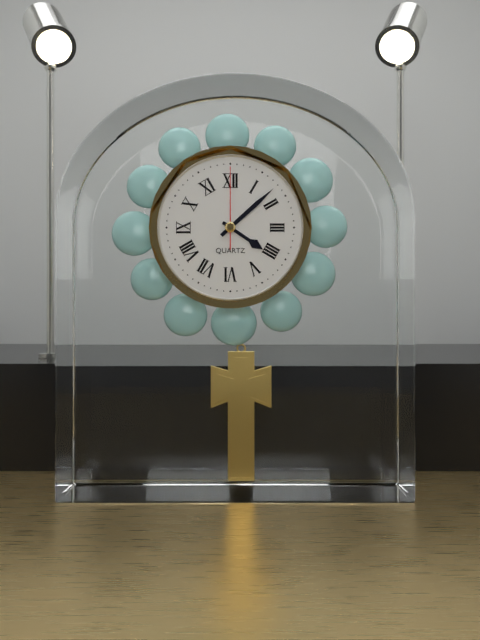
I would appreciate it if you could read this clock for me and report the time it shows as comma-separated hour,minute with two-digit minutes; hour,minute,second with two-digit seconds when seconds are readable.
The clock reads 4,08,00
